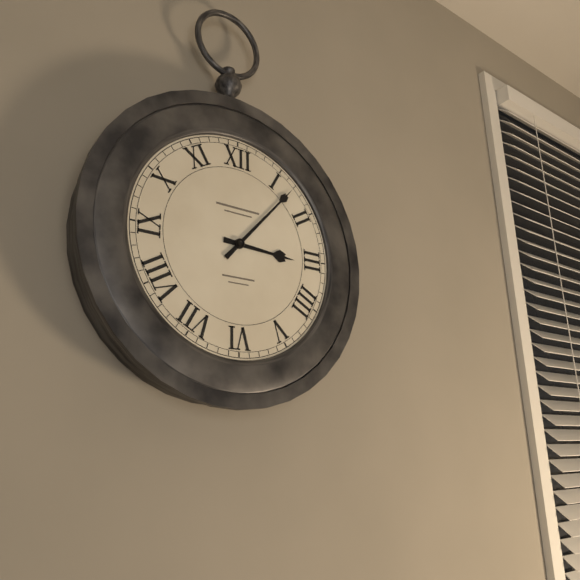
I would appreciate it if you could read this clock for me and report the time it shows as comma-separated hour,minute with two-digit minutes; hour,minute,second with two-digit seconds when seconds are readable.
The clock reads 3,07
